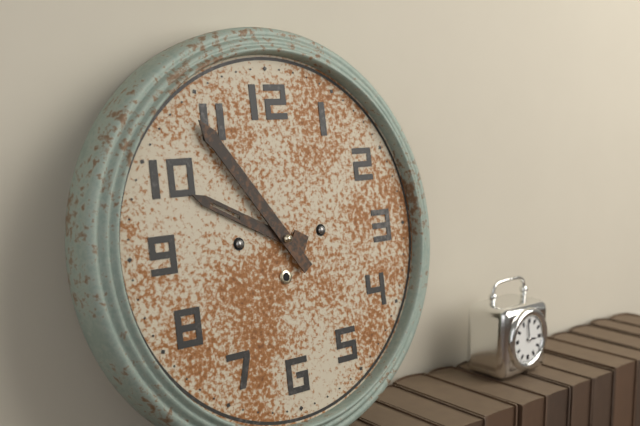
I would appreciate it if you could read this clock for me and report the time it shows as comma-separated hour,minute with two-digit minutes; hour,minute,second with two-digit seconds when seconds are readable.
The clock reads 9,54
